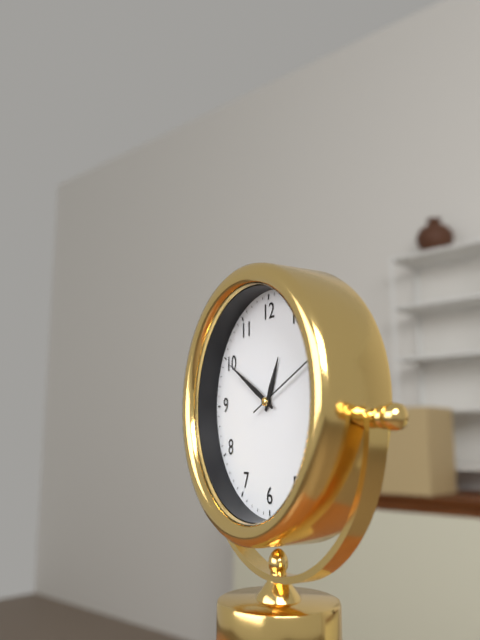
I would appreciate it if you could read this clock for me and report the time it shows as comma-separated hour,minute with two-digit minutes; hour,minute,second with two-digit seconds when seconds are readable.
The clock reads 12,50,11
